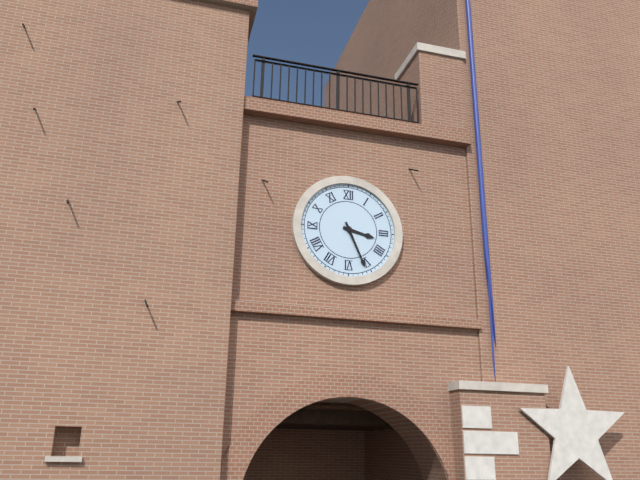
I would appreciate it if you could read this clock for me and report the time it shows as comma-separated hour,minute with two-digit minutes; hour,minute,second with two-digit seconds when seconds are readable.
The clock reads 3,26
